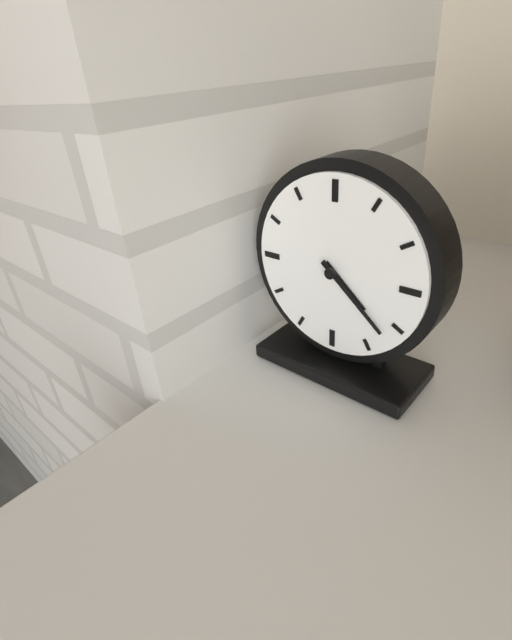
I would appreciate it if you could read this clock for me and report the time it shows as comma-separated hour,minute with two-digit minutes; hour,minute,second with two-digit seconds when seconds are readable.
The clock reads 4,22
